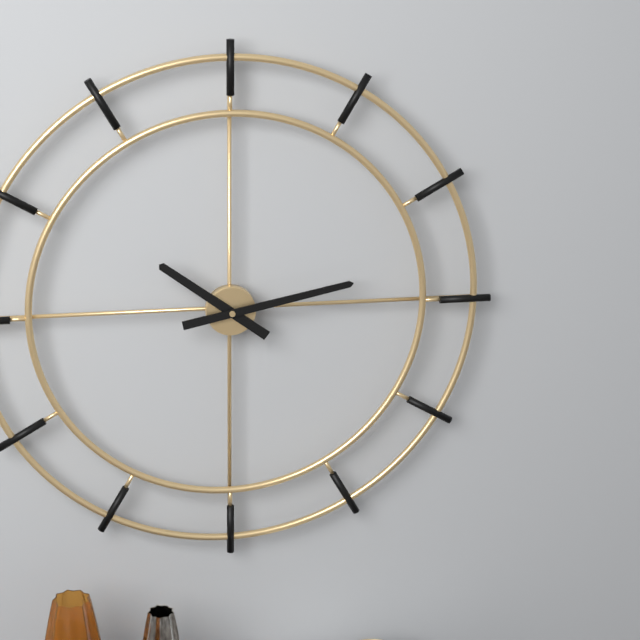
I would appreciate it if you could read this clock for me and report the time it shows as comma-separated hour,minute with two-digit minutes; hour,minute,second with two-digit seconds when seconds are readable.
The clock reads 10,13
